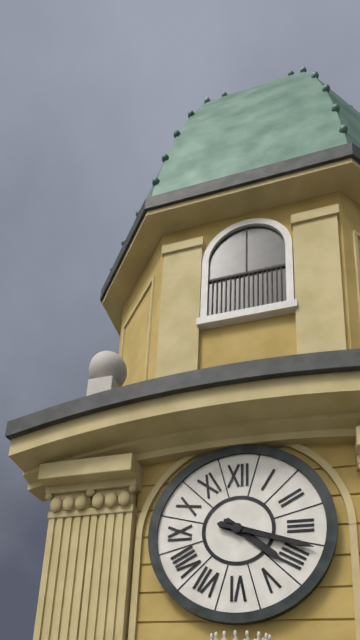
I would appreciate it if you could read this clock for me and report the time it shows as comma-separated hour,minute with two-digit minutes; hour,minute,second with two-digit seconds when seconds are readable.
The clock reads 4,18
